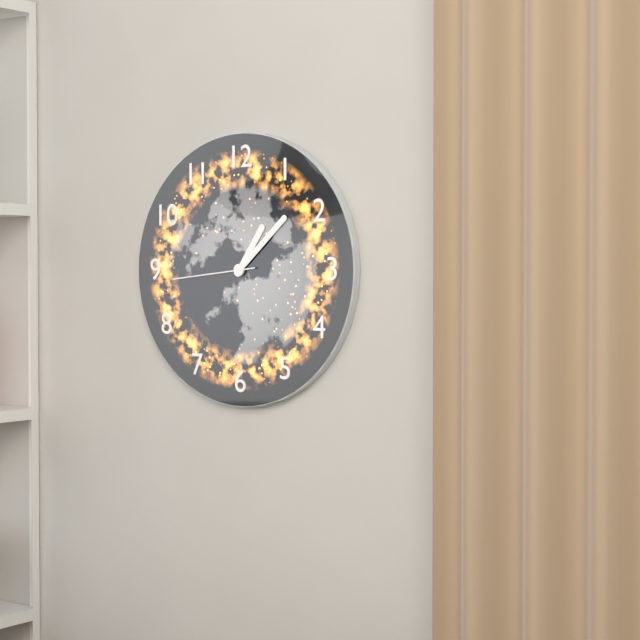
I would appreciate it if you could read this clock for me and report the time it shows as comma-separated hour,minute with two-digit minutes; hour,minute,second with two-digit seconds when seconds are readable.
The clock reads 1,08,44
